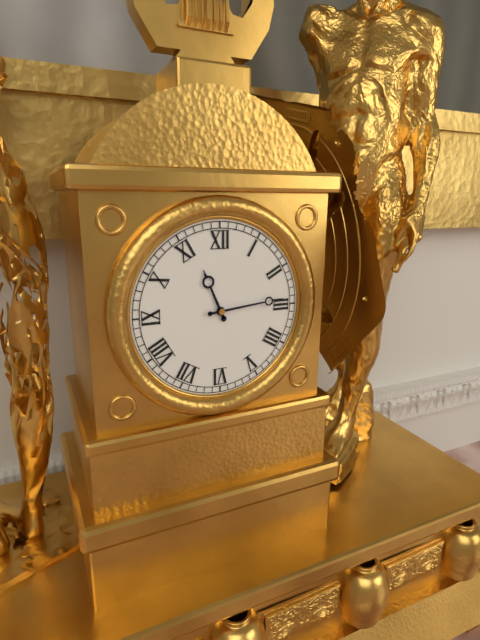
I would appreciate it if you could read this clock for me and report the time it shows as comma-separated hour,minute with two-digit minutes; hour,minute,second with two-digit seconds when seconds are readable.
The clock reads 11,14
